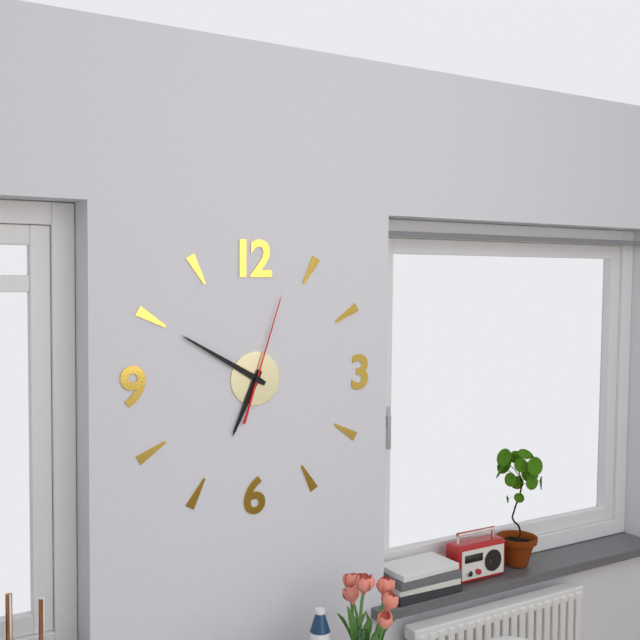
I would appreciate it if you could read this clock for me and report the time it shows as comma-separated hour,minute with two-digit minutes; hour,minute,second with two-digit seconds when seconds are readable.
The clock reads 6,50,03
